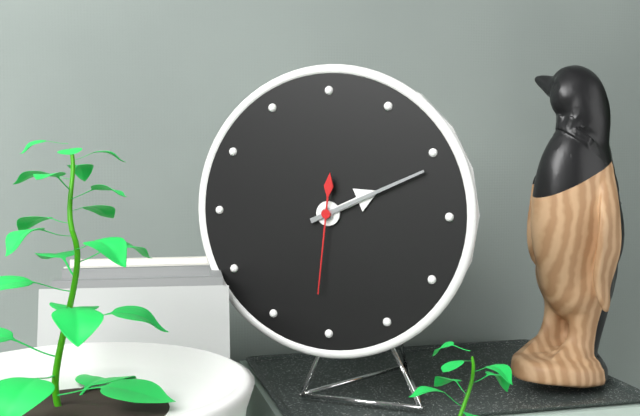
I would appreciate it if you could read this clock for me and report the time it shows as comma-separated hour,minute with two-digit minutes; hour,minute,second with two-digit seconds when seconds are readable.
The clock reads 2,11,31
